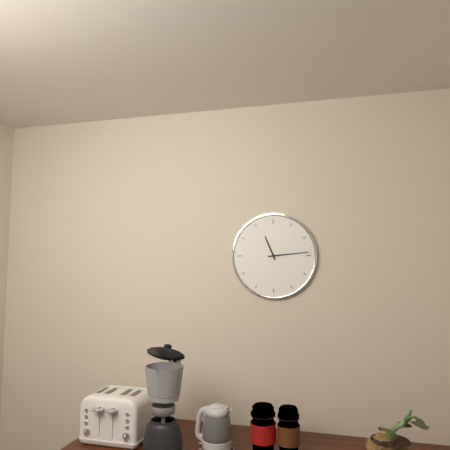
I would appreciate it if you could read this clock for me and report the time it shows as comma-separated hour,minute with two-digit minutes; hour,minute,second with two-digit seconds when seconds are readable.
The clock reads 11,14
